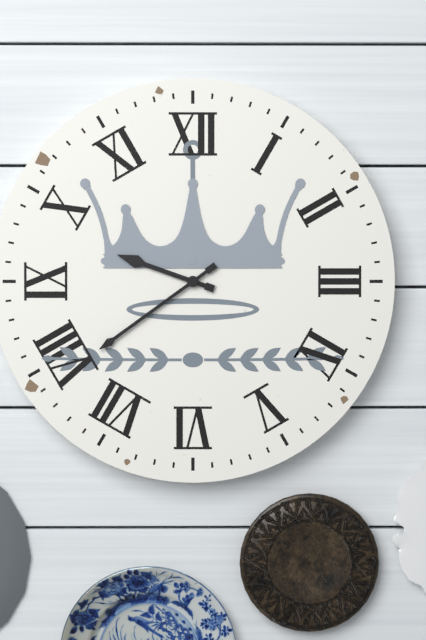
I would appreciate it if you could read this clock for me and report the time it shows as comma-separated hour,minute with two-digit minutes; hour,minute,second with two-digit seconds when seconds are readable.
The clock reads 9,39
